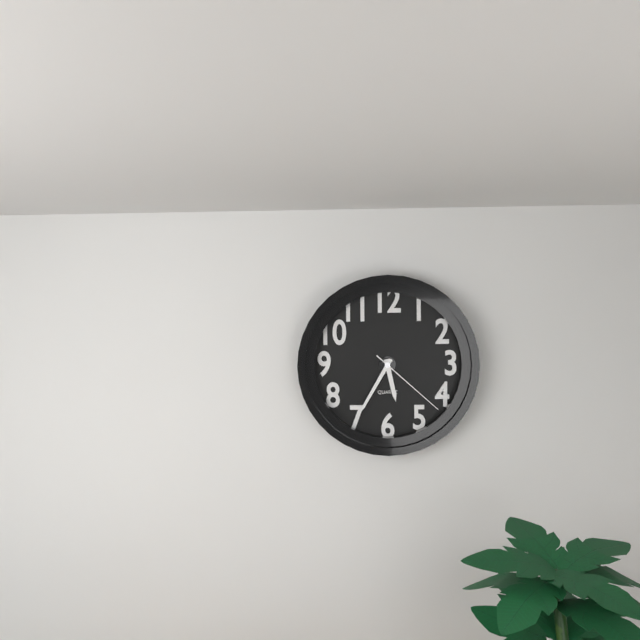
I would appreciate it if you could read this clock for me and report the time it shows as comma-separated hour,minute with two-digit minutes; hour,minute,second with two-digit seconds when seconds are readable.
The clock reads 5,35,22
